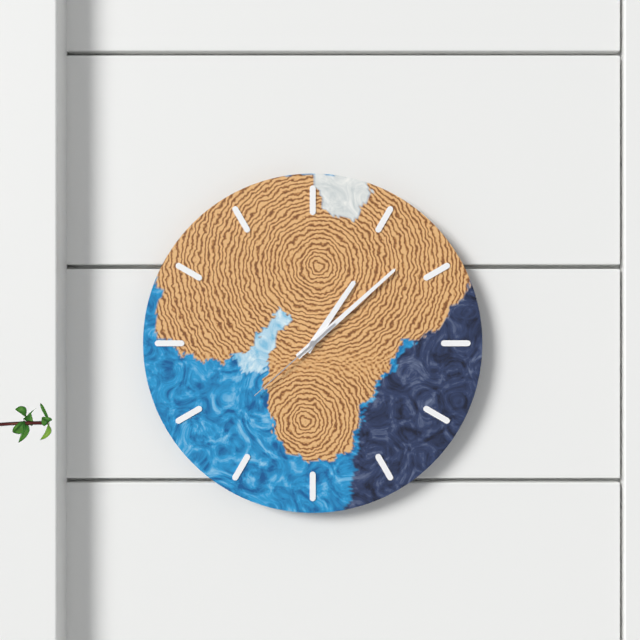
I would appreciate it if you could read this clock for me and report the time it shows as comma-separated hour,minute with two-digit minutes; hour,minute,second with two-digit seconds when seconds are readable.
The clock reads 1,08,38
